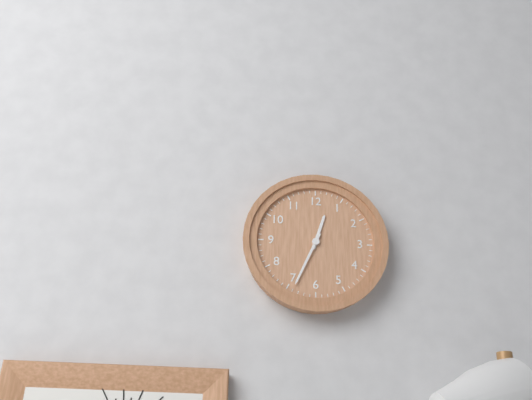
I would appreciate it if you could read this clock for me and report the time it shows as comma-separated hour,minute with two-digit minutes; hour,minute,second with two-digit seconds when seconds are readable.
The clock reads 12,34
